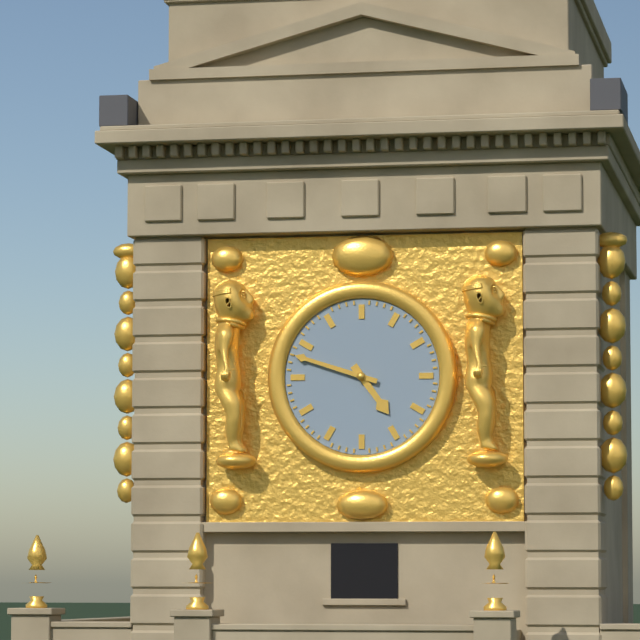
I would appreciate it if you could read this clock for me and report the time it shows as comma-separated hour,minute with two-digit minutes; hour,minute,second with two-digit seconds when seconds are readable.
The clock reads 4,48
